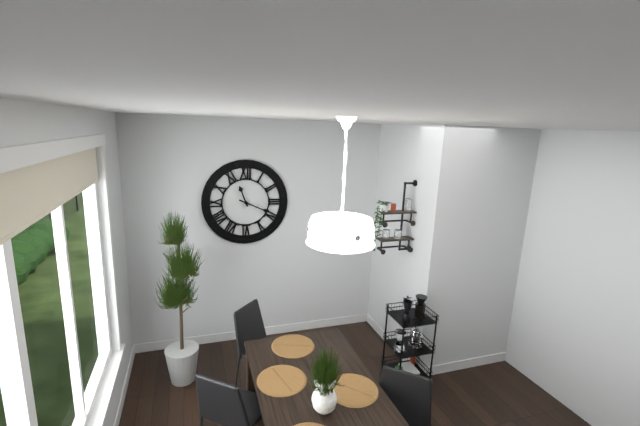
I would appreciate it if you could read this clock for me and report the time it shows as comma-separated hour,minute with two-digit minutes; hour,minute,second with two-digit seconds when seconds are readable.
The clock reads 11,19
